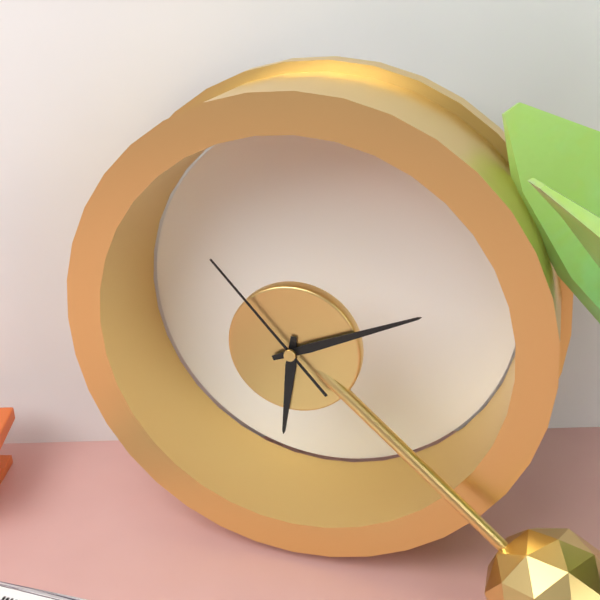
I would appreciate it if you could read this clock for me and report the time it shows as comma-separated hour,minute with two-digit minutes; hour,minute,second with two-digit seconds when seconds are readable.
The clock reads 6,11,53
